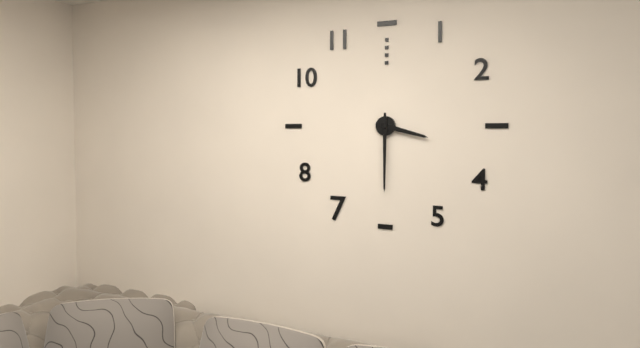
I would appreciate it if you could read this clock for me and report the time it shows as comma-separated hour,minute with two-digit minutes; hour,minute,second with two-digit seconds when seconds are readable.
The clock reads 3,30
